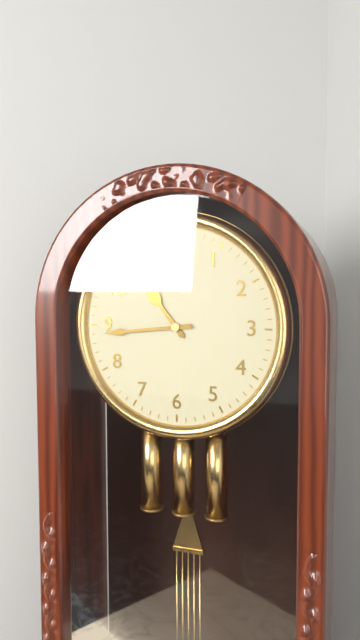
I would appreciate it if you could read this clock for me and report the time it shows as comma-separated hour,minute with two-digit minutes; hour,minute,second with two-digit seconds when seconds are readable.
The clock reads 10,44
